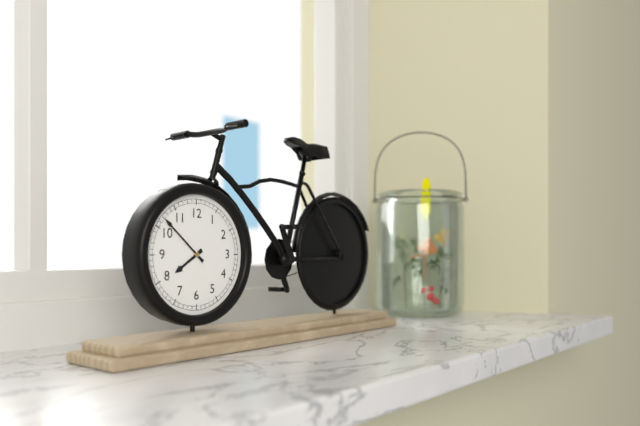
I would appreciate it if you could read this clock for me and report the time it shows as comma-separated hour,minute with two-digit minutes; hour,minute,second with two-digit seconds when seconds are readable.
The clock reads 7,52
